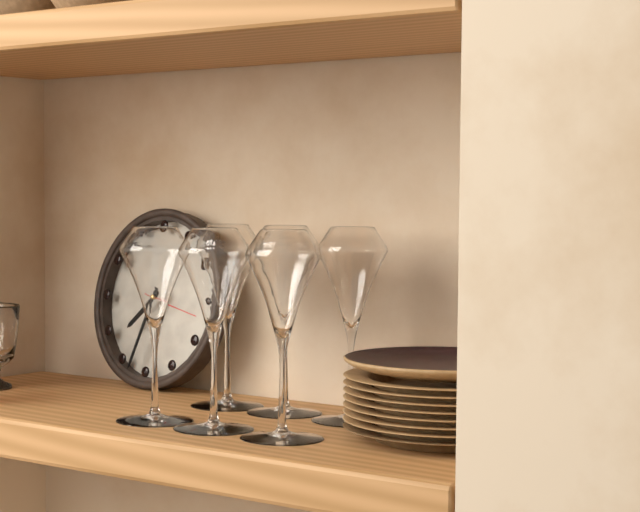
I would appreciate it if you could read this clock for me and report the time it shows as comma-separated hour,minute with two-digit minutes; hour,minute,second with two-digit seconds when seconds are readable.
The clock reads 7,33,17
